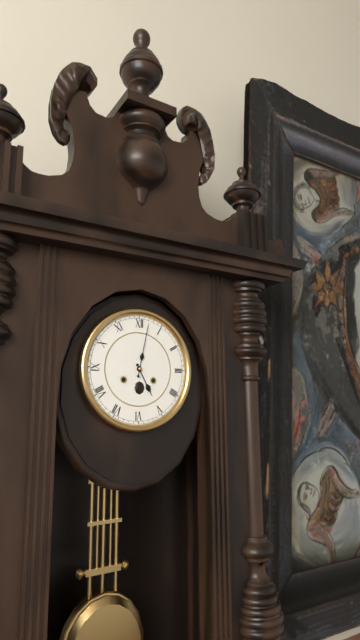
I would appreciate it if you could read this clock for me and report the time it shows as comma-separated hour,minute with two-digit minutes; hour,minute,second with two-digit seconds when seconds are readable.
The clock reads 5,02
